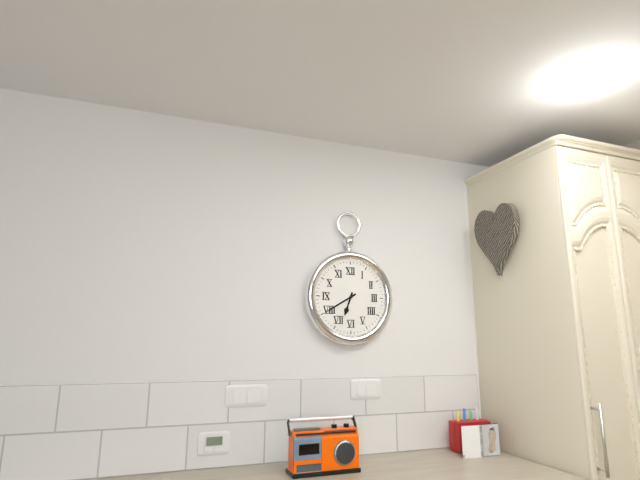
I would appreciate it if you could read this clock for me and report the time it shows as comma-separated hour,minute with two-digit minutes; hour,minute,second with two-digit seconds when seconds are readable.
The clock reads 6,40
